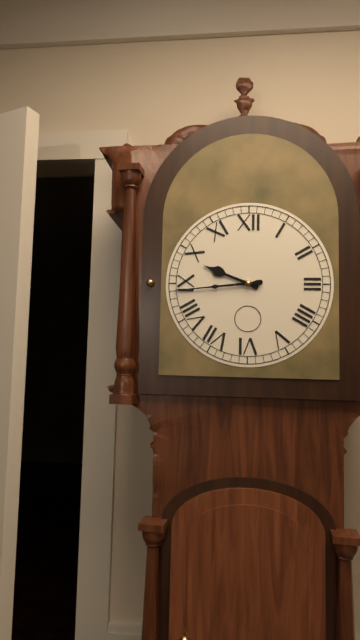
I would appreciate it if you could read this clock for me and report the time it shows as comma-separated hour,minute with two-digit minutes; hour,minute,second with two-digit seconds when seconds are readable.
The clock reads 9,44
